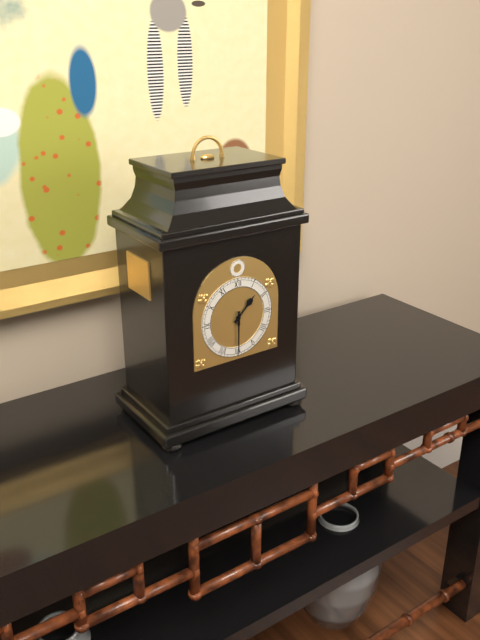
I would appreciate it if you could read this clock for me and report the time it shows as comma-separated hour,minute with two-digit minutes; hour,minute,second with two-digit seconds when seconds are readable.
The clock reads 1,30
